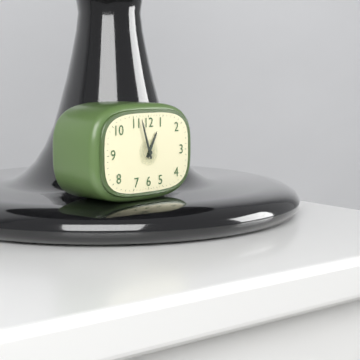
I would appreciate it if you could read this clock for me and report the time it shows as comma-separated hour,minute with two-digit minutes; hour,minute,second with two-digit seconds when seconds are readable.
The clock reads 12,57
